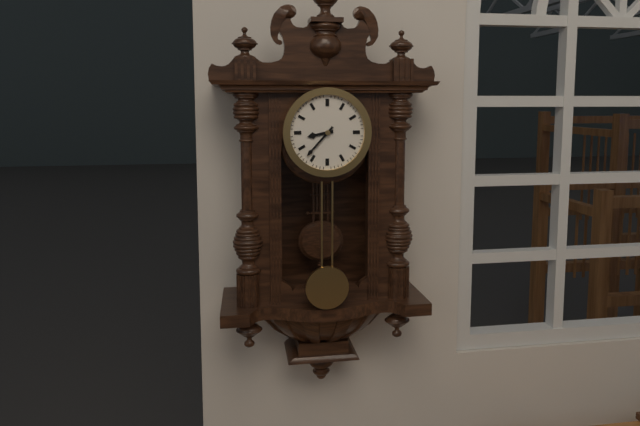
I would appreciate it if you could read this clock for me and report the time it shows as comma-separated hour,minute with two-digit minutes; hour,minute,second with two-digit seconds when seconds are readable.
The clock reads 8,37
